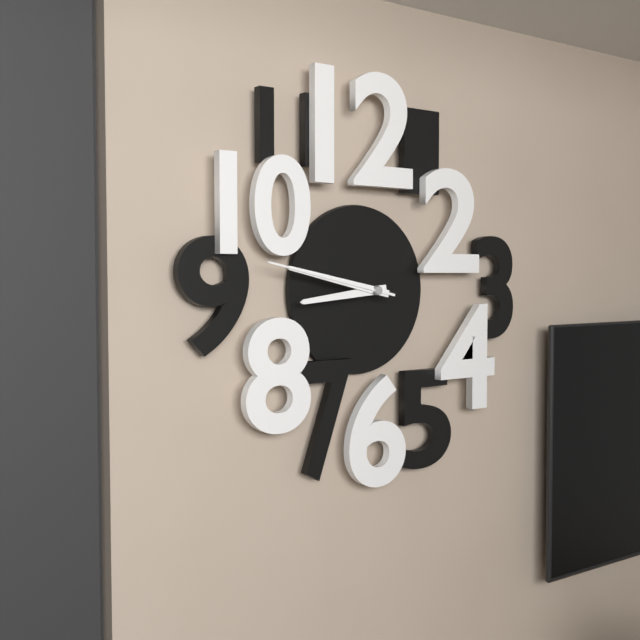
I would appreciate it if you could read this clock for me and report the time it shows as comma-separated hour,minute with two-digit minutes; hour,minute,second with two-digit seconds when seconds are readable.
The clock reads 8,47,47
